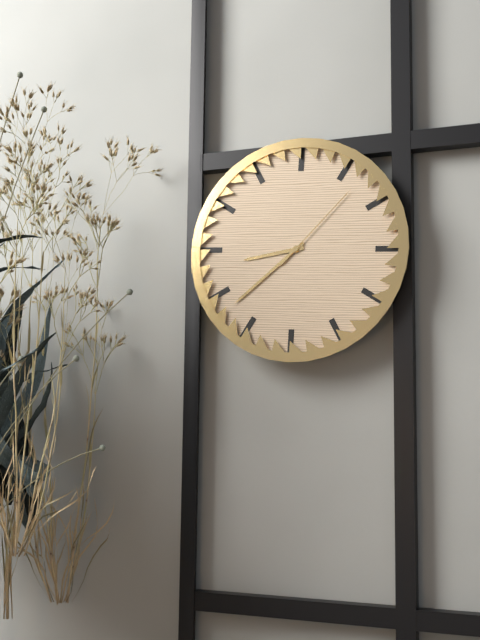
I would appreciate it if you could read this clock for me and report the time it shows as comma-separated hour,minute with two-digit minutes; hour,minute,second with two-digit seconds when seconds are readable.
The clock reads 8,38,07
